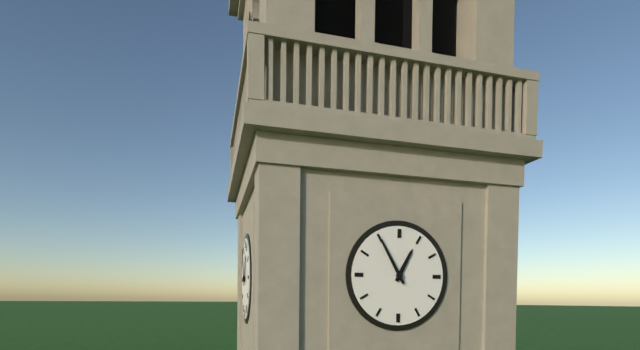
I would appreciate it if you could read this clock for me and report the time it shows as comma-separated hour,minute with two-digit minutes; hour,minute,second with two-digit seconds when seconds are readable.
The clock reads 12,55
